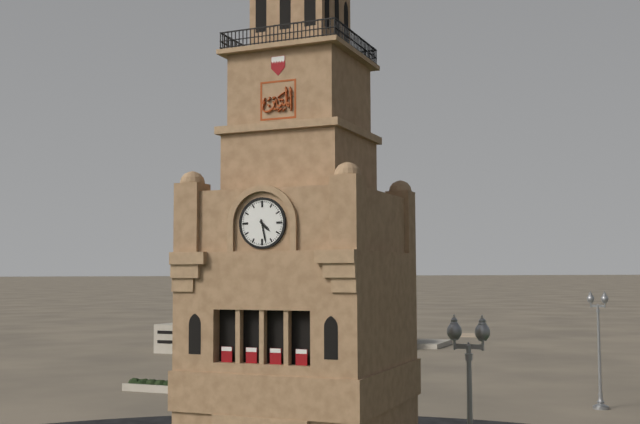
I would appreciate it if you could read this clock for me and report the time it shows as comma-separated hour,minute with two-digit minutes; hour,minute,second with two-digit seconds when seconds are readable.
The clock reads 4,28
